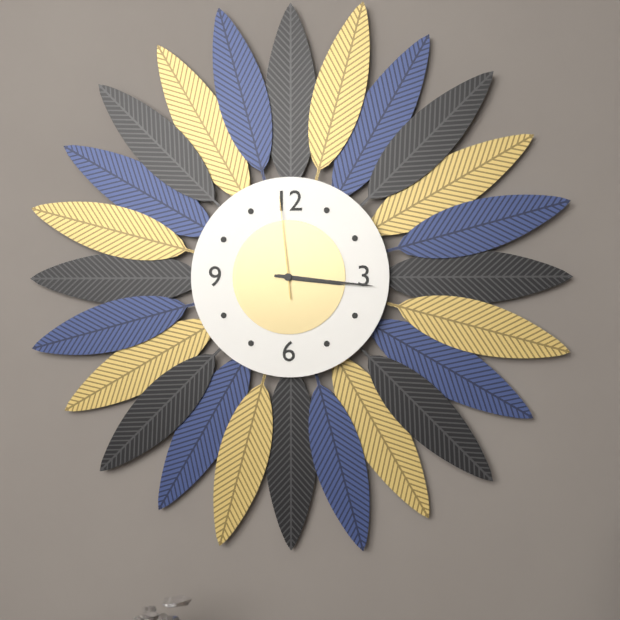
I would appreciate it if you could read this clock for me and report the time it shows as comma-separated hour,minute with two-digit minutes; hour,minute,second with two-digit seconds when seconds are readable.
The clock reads 3,16,59
